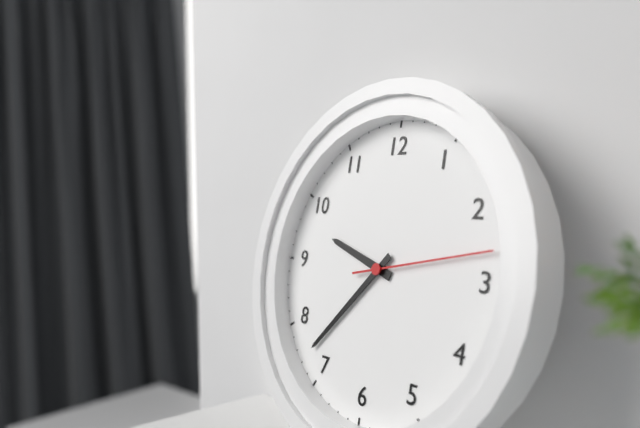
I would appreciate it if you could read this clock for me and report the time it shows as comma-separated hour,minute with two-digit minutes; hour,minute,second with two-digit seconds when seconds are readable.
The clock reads 9,37,13
